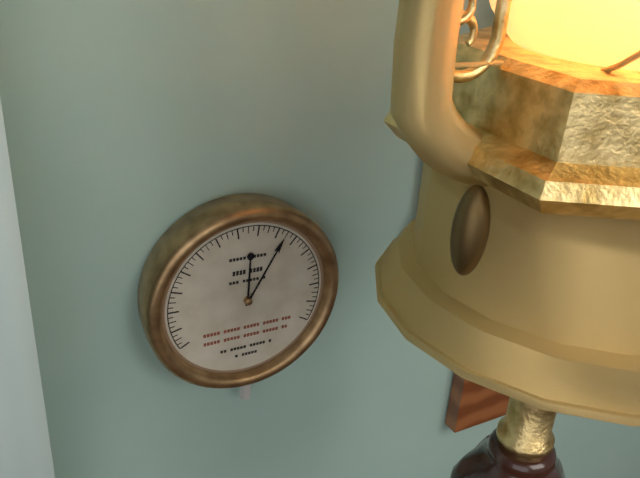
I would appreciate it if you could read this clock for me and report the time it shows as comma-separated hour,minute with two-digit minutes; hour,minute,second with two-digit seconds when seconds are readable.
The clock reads 12,05
